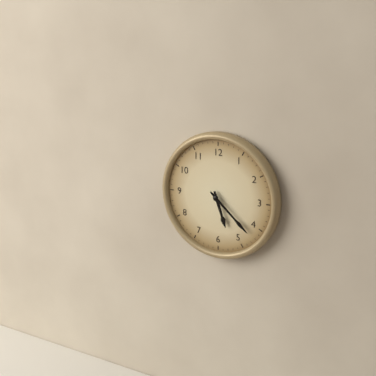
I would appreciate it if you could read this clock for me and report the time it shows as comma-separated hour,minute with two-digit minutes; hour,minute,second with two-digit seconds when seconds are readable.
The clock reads 5,22
